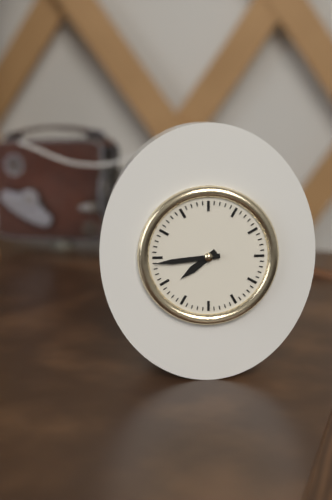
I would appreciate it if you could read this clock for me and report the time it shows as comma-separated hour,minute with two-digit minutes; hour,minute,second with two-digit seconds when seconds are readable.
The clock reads 7,44
